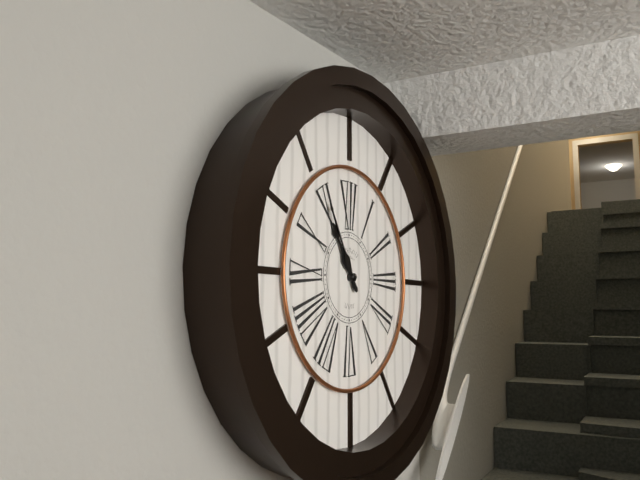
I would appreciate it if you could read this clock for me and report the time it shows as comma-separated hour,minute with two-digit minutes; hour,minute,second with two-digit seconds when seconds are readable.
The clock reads 10,55
